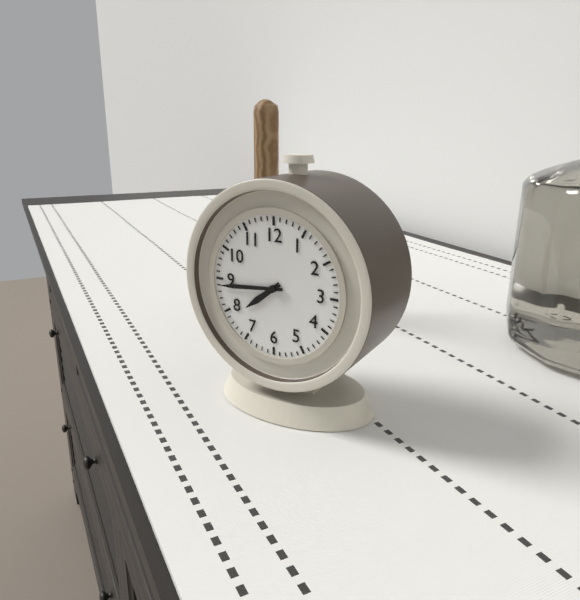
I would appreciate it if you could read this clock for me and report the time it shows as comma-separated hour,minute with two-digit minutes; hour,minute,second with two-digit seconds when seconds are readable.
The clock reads 7,44
